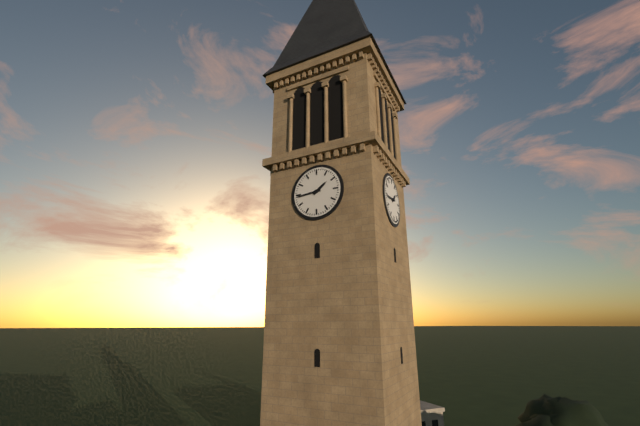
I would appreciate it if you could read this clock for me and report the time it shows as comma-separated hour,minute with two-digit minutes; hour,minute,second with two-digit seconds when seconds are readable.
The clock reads 1,44
